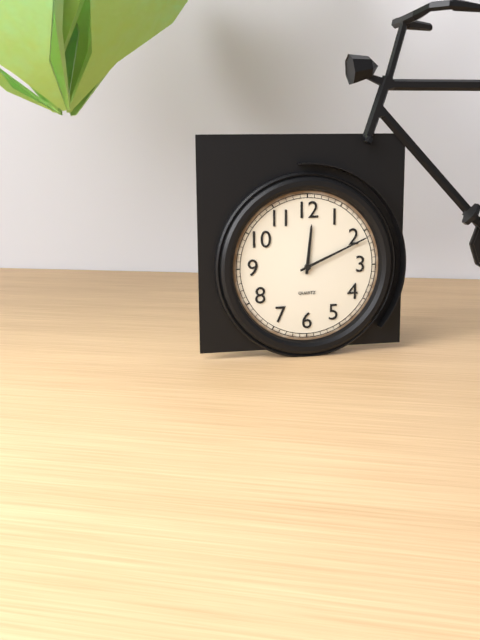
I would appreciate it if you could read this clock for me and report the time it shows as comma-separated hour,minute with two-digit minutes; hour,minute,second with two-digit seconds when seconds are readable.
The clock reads 12,11
